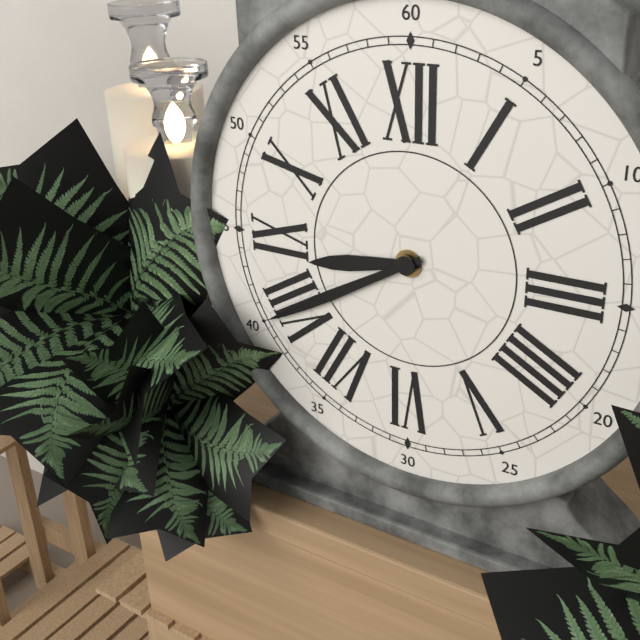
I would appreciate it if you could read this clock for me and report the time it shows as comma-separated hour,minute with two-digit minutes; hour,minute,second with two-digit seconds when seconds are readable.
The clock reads 8,40
